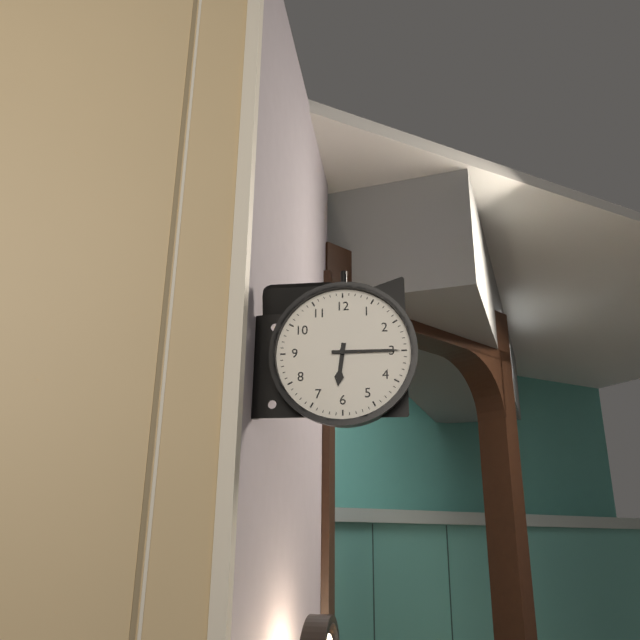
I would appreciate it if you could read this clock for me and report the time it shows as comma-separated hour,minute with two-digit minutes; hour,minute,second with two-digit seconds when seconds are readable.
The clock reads 6,15
